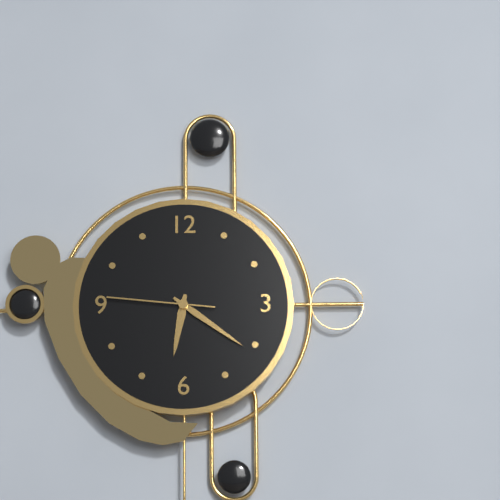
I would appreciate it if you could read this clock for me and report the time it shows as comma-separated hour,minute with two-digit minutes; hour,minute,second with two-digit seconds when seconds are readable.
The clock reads 6,21,46
